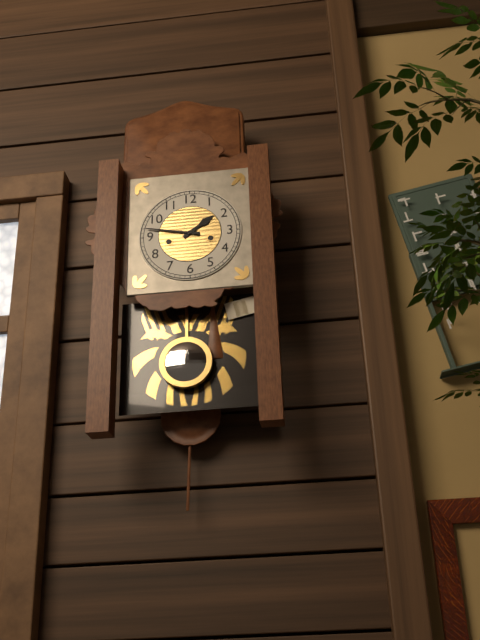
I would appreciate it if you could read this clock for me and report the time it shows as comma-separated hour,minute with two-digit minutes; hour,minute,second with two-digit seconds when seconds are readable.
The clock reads 1,47
